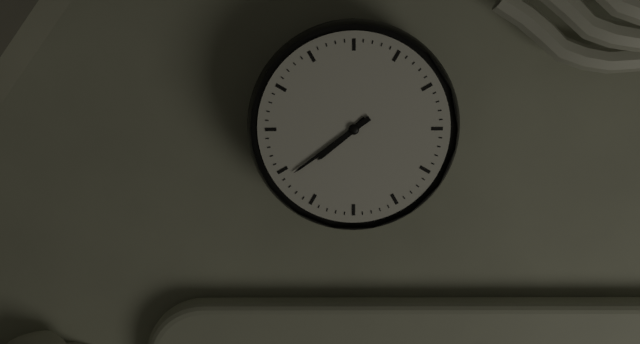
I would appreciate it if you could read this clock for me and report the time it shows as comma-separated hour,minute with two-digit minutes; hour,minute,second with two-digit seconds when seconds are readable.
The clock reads 7,39
